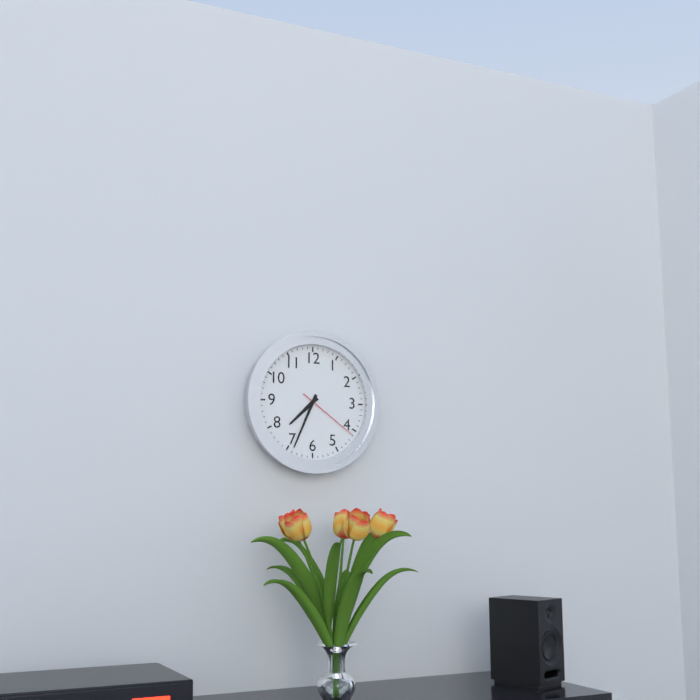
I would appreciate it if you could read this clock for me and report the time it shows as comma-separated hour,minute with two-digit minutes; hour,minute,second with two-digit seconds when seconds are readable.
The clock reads 7,34,21
